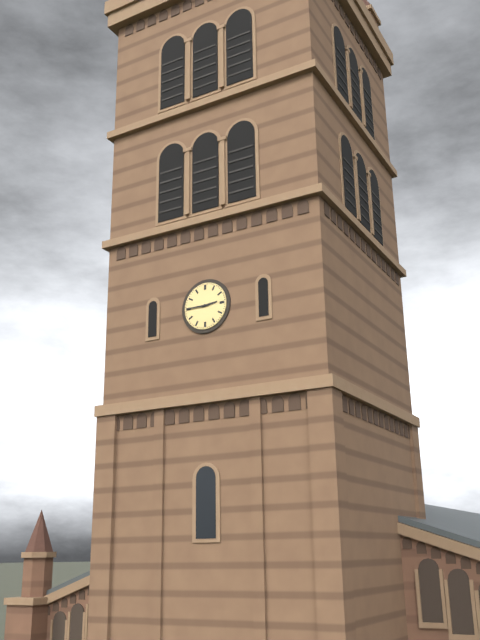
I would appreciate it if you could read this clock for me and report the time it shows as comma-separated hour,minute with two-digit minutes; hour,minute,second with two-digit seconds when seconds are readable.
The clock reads 2,45
